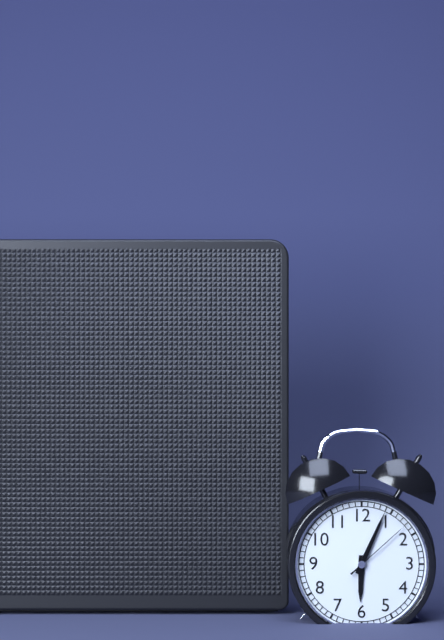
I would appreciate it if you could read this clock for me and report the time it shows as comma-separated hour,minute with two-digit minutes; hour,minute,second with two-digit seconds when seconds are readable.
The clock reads 6,04,08
